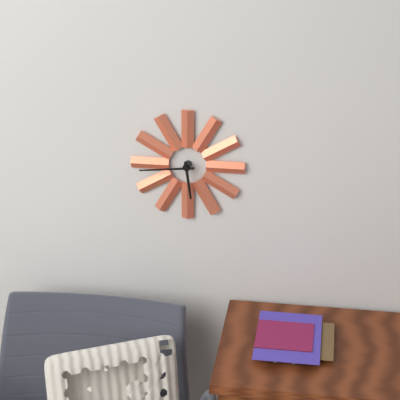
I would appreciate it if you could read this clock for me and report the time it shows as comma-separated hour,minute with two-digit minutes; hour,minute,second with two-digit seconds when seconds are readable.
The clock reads 5,44
